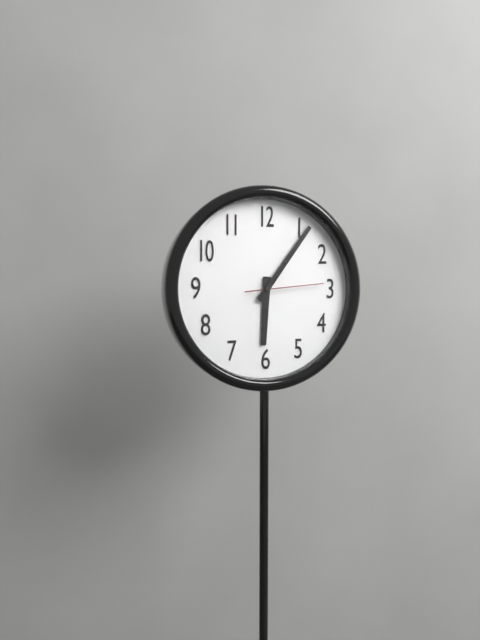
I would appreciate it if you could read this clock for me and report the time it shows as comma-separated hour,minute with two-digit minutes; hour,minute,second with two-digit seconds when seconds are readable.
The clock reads 6,06,14
